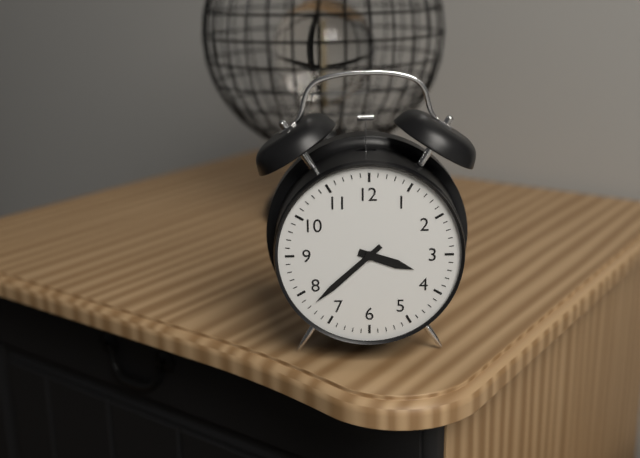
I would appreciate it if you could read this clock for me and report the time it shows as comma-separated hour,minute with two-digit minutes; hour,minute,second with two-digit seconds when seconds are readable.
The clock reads 3,38
